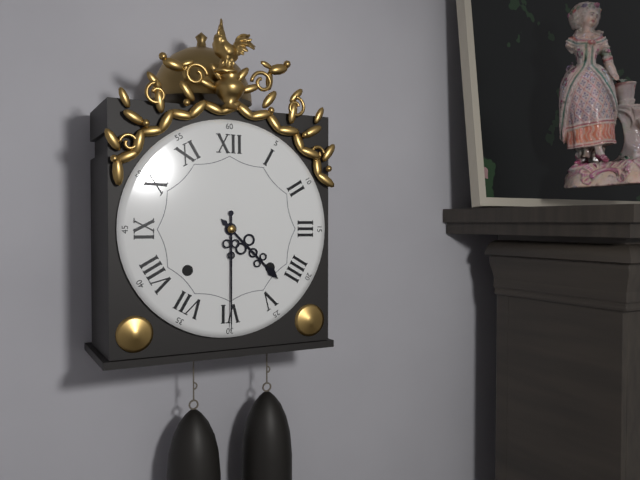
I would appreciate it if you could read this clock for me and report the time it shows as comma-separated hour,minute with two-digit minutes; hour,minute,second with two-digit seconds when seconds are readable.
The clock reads 4,30
